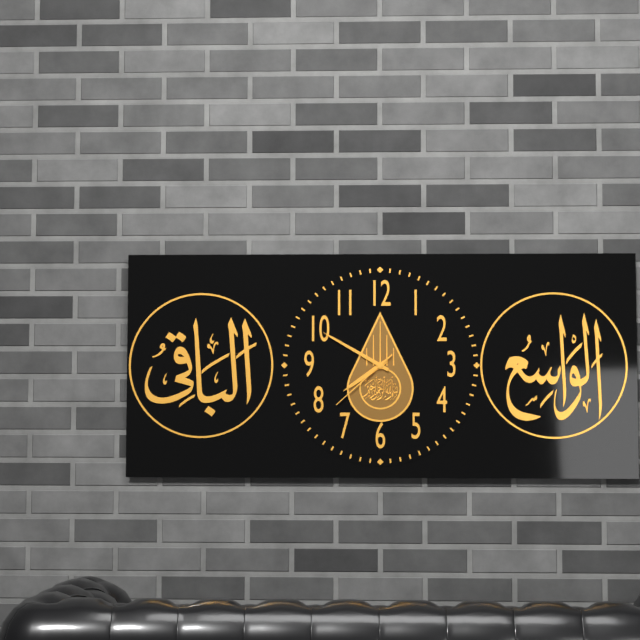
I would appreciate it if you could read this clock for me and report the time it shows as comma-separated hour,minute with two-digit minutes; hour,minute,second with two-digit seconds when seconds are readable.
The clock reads 7,50,38
